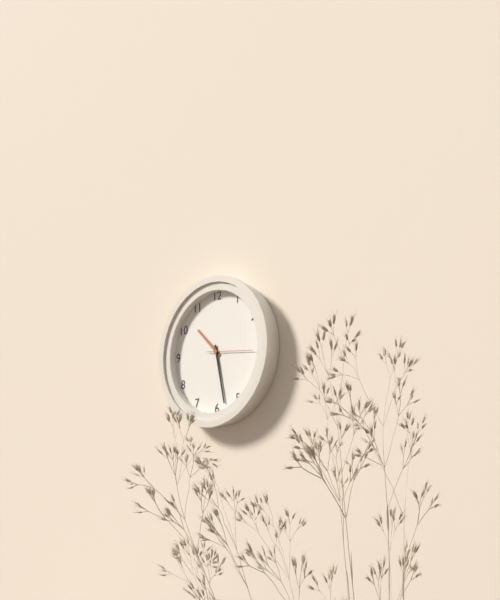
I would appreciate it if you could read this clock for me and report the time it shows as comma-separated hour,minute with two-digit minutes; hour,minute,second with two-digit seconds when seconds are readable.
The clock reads 10,28
